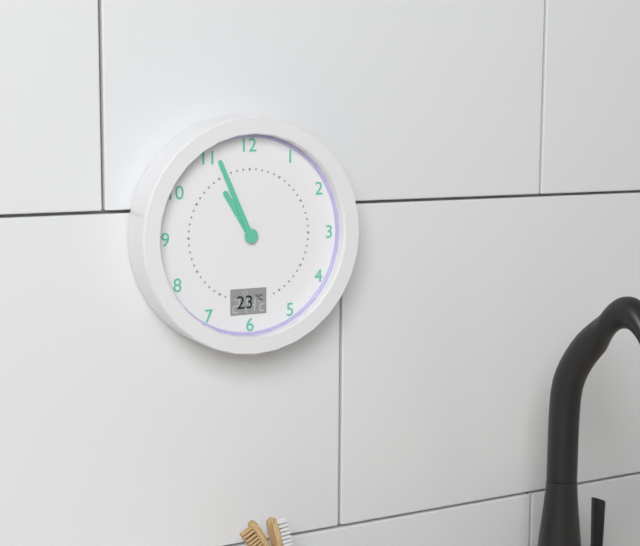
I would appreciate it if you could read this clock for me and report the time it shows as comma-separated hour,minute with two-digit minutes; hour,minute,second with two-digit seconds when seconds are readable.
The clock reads 10,56
